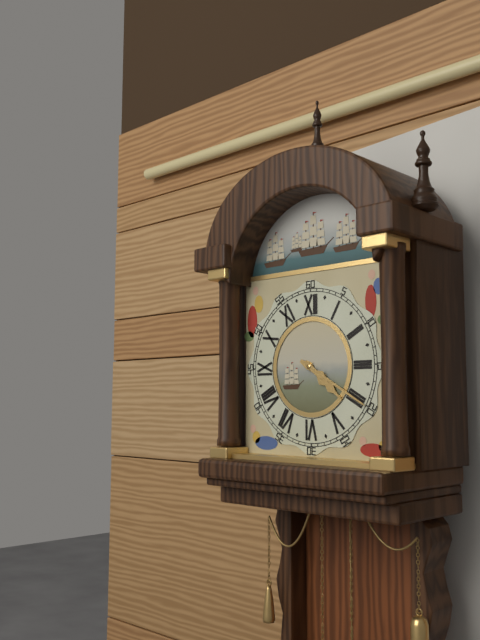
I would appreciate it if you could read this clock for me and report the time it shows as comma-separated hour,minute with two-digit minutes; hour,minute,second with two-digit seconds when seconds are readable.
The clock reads 4,20
